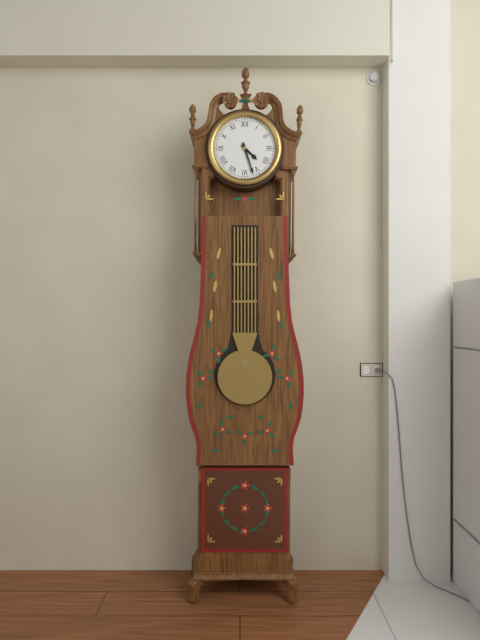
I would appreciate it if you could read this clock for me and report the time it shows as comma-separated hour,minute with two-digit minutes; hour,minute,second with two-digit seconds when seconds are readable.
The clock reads 4,27
